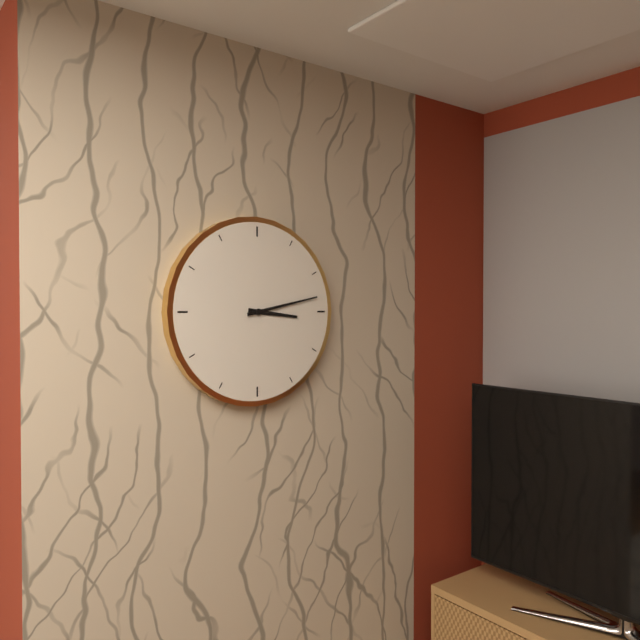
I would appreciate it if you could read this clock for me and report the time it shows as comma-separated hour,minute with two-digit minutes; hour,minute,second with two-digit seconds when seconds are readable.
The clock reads 3,13
